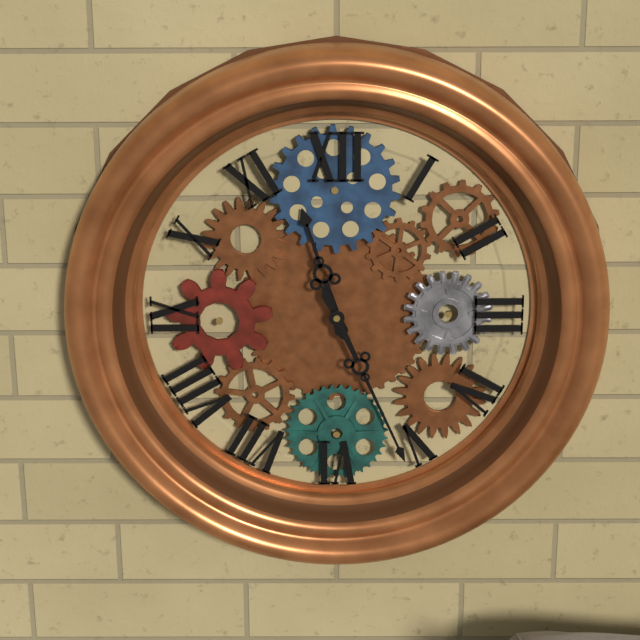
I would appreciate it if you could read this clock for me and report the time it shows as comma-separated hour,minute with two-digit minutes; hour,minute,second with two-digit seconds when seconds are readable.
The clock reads 11,26
